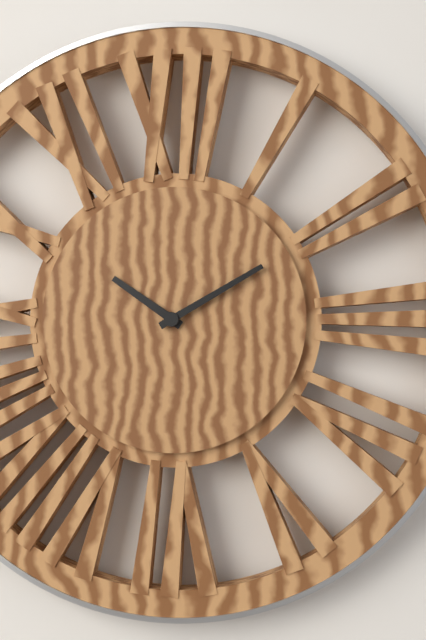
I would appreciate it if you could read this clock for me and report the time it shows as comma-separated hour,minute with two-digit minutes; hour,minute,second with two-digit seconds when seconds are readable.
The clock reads 10,10
